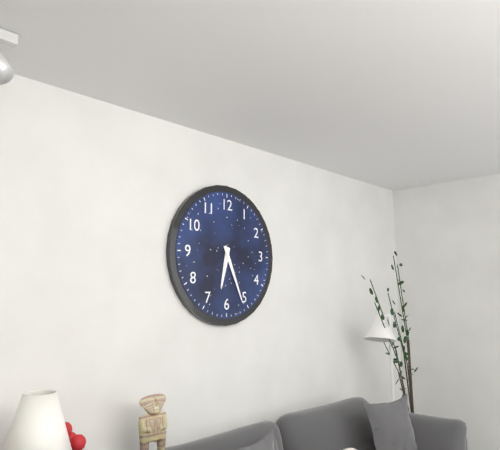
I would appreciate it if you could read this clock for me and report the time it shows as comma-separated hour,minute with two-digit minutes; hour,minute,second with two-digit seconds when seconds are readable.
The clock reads 6,26
